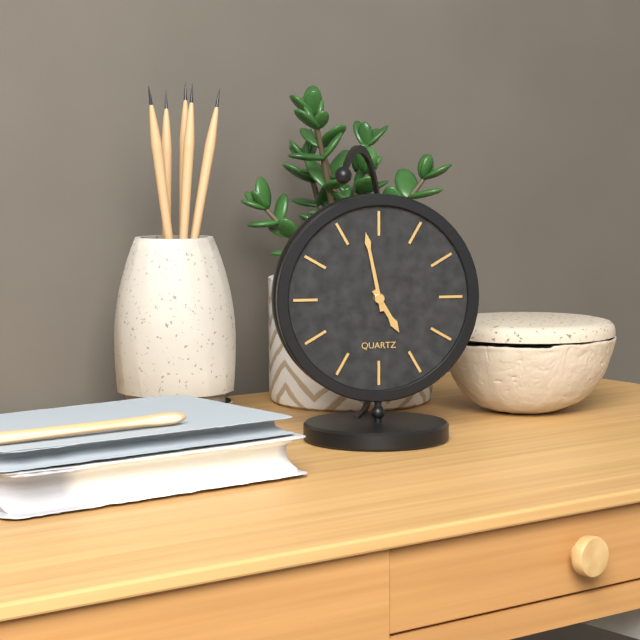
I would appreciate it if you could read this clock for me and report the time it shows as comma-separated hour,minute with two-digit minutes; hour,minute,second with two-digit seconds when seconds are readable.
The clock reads 4,58
